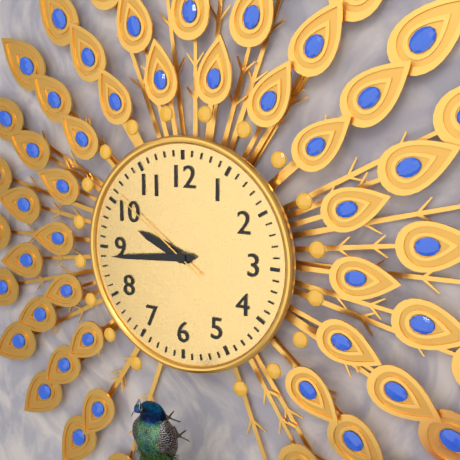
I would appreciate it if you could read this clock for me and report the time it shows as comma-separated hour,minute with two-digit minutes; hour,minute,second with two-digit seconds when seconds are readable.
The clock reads 9,44,51
